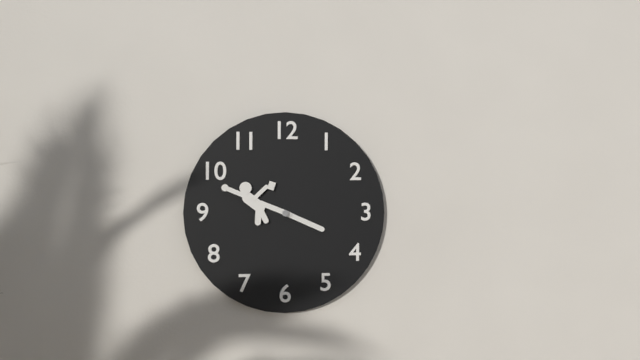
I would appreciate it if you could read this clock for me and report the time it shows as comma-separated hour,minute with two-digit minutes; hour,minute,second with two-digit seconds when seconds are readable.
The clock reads 3,48
